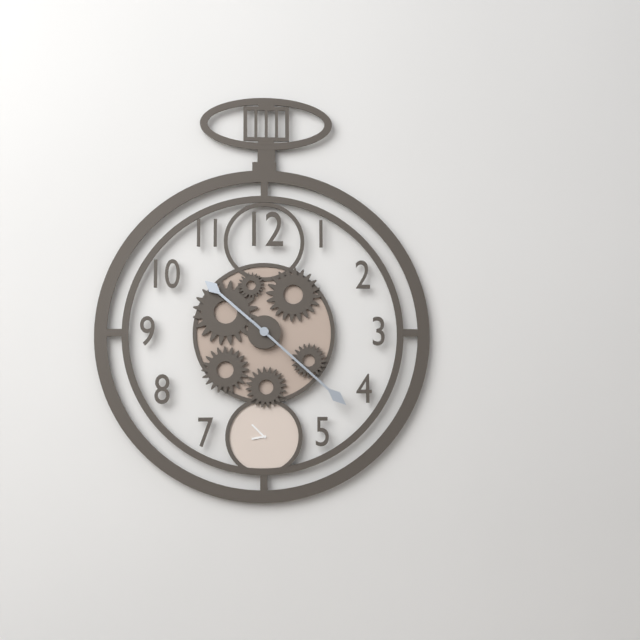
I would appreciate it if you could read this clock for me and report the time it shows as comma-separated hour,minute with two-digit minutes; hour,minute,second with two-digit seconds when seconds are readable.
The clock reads 10,22
